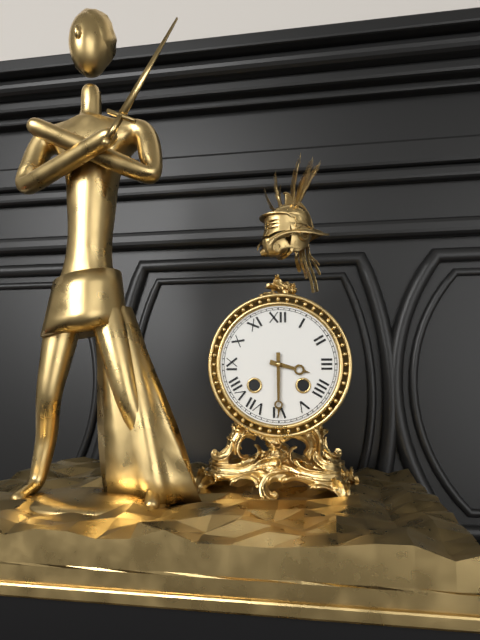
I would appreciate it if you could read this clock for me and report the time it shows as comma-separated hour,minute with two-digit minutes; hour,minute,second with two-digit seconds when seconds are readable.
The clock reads 3,30
